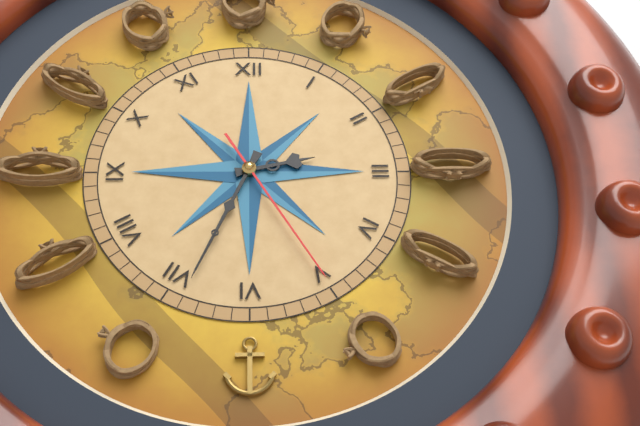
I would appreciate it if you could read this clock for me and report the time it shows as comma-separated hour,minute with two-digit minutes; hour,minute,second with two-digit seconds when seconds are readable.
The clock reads 2,34,25
